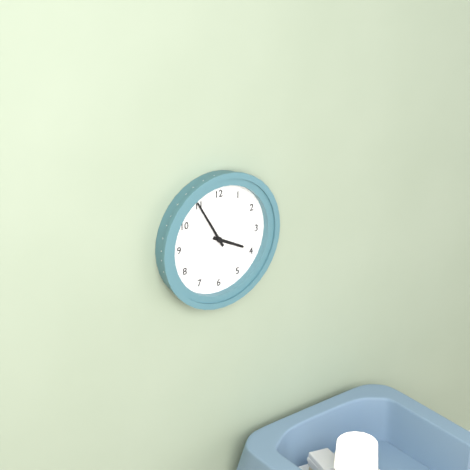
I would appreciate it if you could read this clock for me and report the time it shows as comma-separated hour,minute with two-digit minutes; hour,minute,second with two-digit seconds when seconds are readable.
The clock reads 3,55
